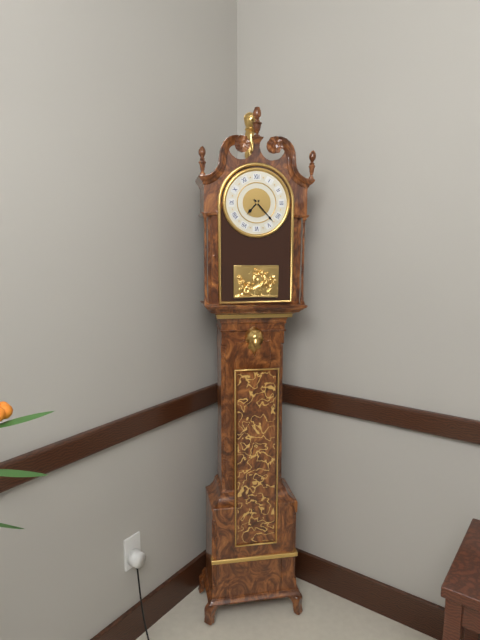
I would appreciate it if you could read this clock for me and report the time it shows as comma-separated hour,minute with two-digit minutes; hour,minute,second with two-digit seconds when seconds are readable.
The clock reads 7,23
